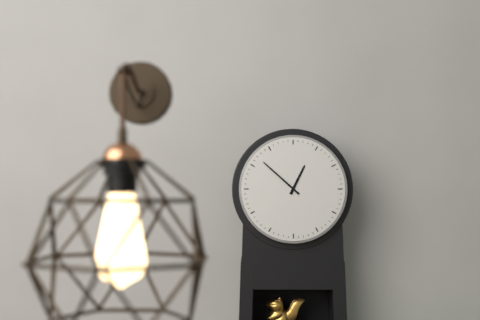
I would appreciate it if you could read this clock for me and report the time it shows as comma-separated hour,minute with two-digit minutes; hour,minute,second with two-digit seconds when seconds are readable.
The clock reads 12,52
